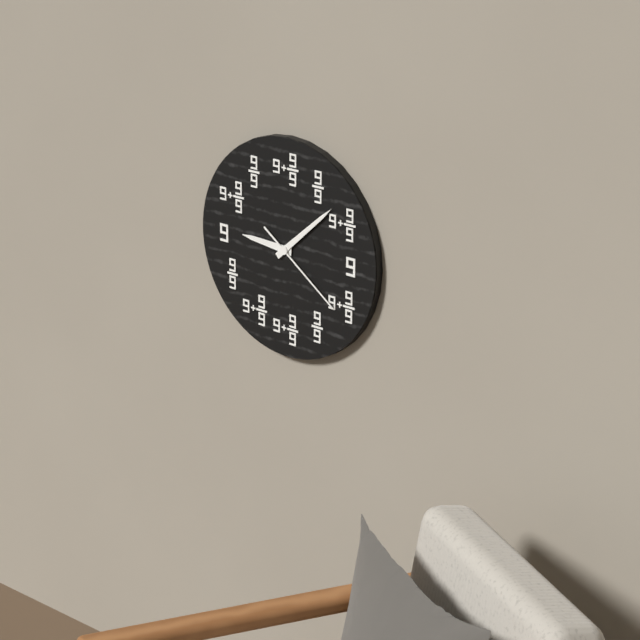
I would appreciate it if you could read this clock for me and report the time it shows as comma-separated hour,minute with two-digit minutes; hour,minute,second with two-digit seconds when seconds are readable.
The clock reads 9,08,21
